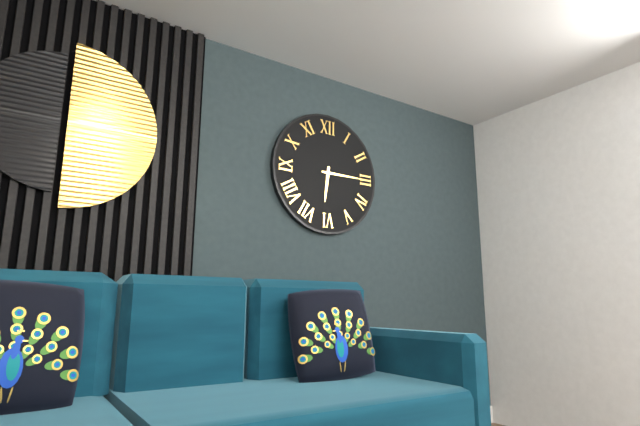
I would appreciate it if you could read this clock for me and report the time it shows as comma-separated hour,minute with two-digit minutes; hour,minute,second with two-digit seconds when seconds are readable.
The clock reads 6,15
